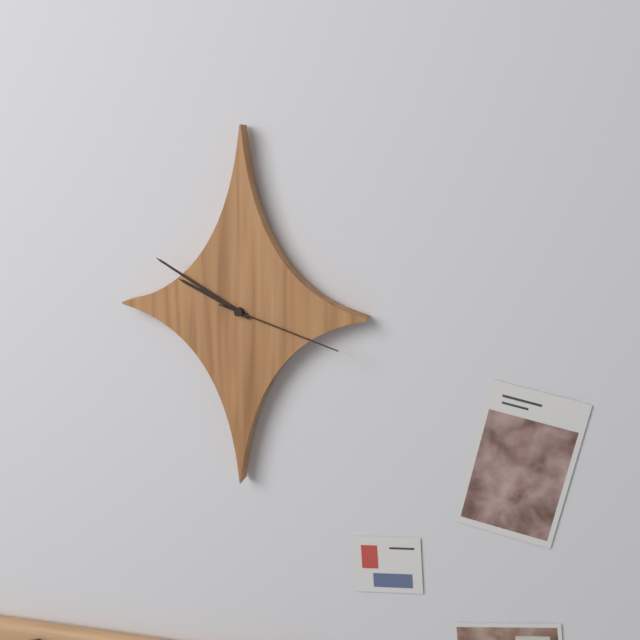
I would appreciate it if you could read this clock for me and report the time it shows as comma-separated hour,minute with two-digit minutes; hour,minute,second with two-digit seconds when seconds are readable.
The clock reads 9,50,18
